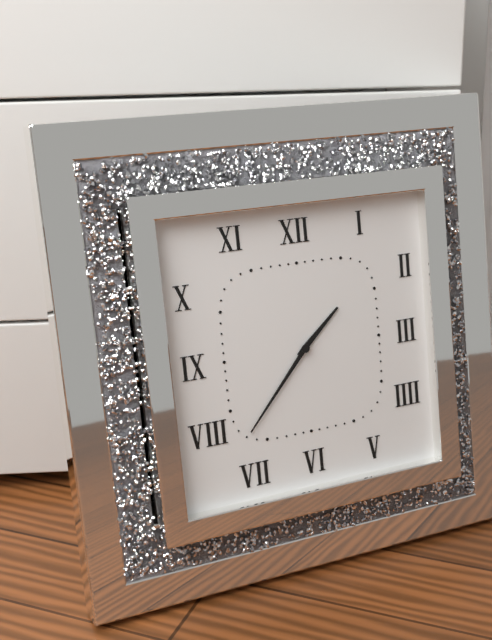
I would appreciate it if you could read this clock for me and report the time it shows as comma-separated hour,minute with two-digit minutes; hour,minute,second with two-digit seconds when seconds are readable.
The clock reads 1,37
